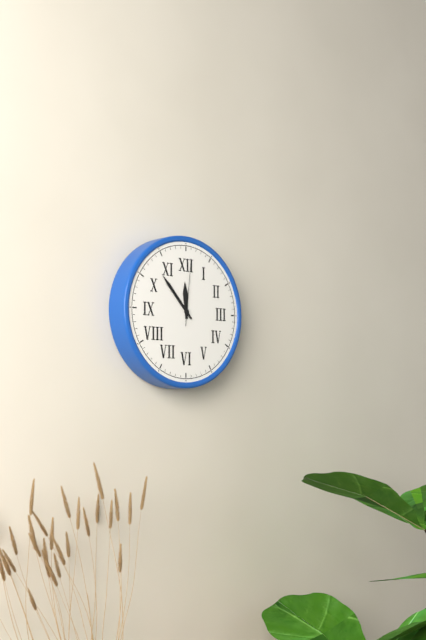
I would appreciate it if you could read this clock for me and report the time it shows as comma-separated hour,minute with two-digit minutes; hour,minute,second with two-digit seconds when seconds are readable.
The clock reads 11,53,01
